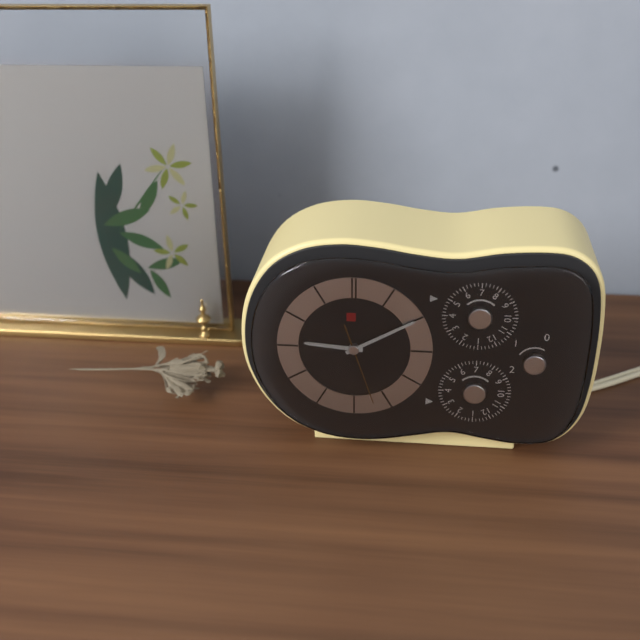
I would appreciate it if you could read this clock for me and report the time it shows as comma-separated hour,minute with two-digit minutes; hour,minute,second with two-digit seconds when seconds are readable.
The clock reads 9,10,27
